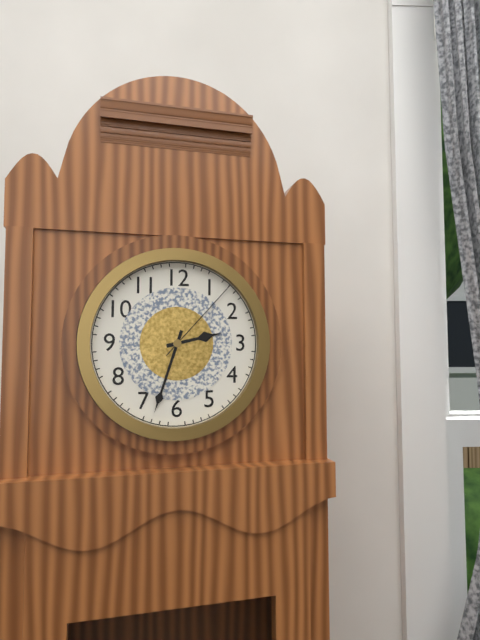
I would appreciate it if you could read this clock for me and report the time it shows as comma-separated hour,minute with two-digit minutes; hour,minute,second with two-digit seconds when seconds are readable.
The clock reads 2,33,07
